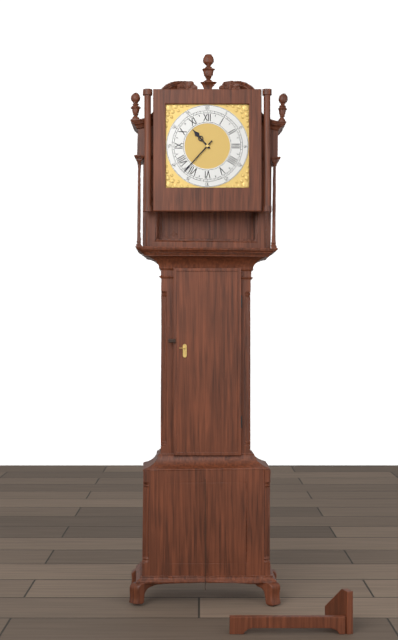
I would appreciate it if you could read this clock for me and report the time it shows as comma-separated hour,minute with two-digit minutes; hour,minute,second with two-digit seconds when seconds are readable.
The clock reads 10,37
